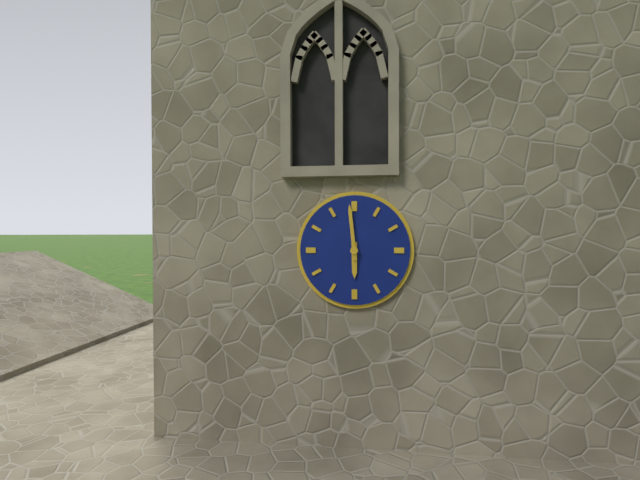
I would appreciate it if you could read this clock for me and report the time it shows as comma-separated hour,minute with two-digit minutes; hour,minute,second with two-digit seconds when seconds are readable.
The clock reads 5,59
